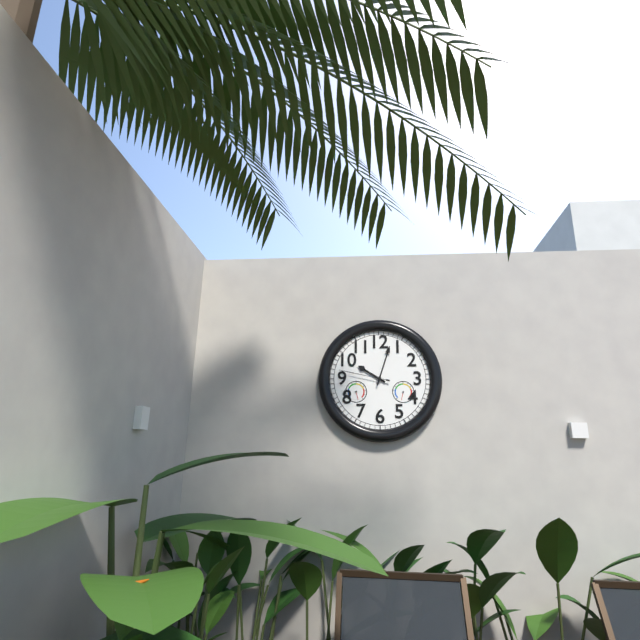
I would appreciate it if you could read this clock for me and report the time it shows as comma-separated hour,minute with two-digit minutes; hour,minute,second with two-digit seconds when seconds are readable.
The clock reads 10,03,47
